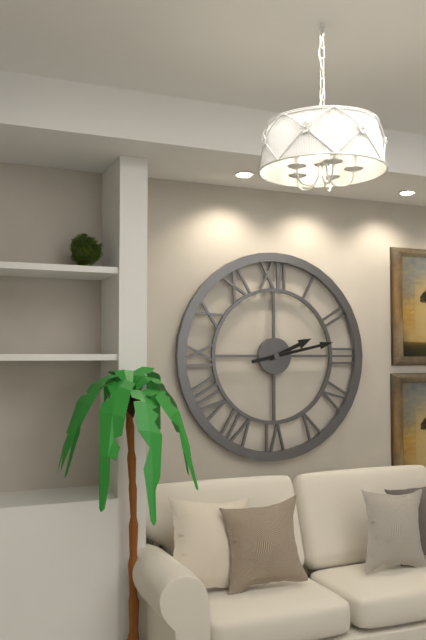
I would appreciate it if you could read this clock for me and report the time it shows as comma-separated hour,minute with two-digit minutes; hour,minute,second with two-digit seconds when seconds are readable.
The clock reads 2,13
